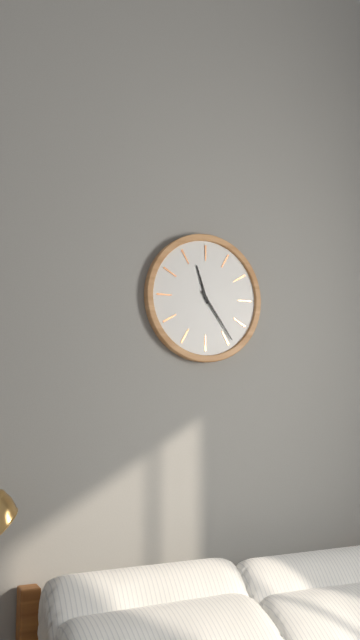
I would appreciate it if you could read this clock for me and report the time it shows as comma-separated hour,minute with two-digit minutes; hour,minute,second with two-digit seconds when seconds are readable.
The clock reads 11,24
